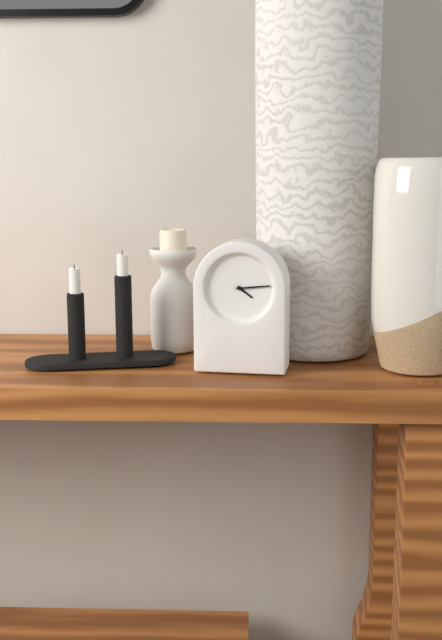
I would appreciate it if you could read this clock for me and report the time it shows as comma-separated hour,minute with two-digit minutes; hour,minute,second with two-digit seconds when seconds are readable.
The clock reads 4,14
